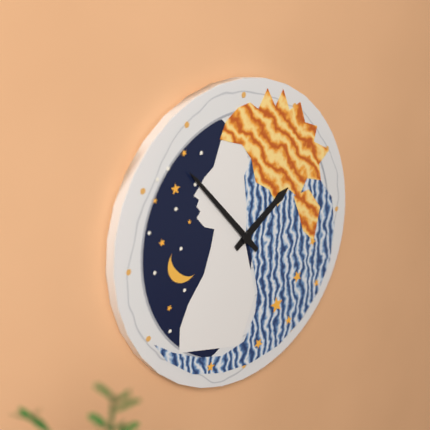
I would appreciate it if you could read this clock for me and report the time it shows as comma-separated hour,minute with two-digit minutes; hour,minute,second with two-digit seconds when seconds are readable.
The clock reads 1,53
